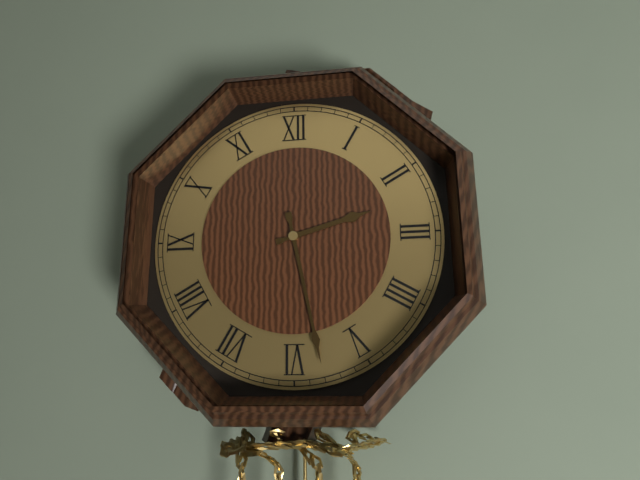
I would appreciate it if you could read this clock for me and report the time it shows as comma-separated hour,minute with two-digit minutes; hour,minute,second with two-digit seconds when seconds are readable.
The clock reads 2,28
